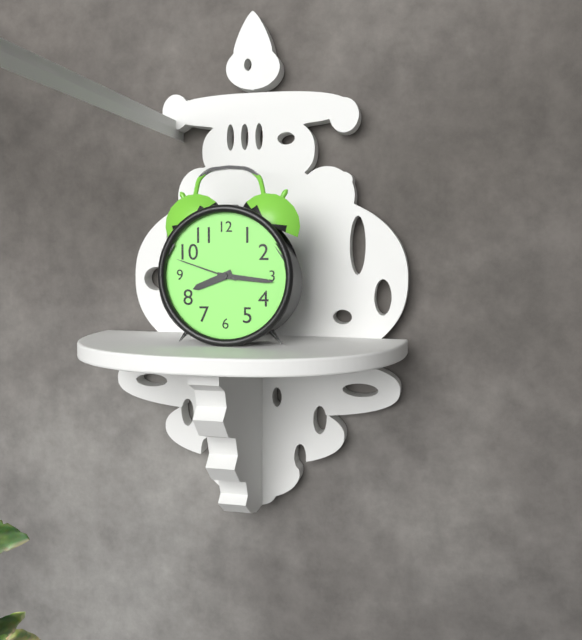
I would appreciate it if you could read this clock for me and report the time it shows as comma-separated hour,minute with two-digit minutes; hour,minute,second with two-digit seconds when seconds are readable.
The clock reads 8,16,48
